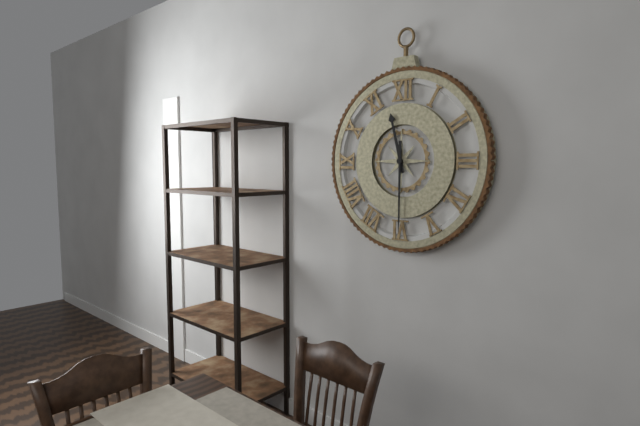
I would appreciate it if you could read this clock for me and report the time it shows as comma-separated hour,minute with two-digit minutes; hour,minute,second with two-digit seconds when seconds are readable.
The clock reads 11,30
